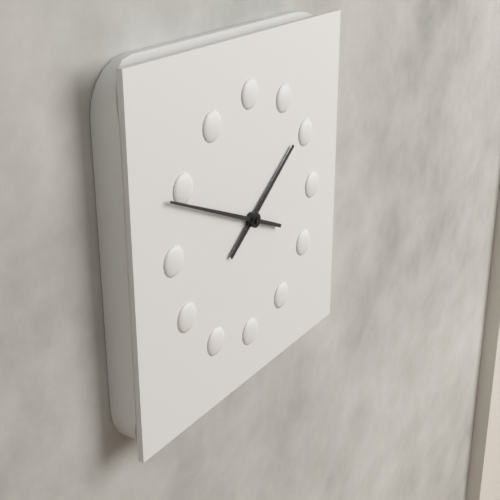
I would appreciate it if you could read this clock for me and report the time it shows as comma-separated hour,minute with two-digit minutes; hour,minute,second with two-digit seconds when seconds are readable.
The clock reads 1,49
